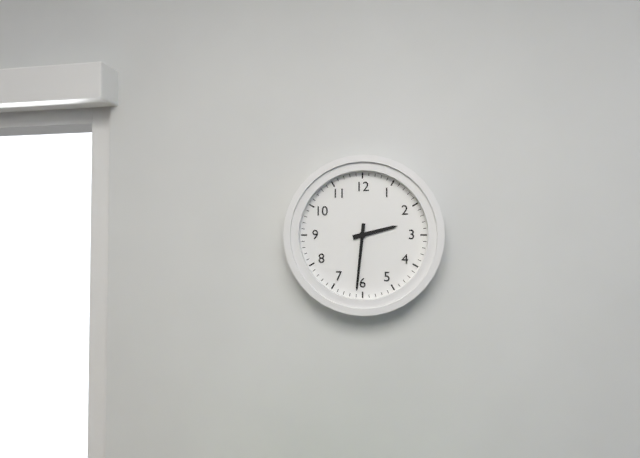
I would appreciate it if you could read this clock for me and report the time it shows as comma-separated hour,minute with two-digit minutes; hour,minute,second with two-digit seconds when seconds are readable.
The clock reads 2,31
